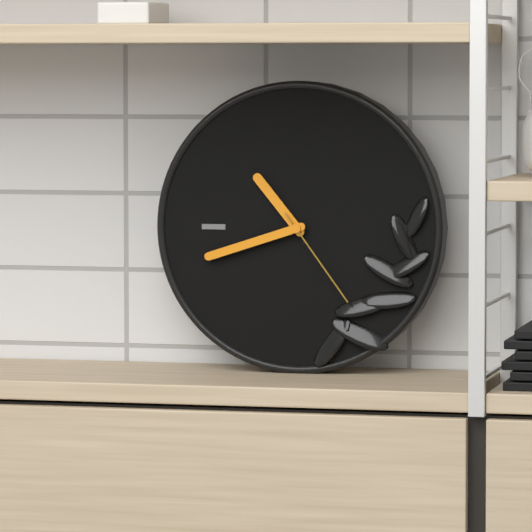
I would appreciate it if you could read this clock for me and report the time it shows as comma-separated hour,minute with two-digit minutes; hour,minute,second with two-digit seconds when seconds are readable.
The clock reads 10,42,24
